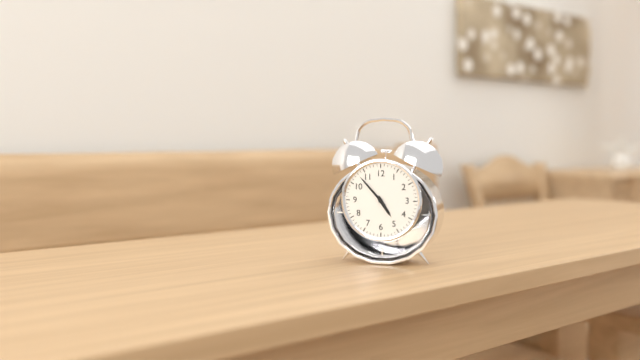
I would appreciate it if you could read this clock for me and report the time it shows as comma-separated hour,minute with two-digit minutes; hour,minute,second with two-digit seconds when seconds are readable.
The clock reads 4,53
